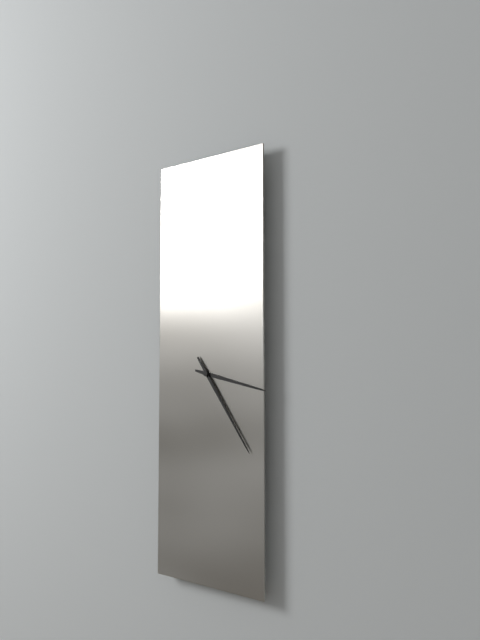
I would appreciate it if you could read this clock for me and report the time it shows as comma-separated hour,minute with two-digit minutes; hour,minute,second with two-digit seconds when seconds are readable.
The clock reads 3,24
